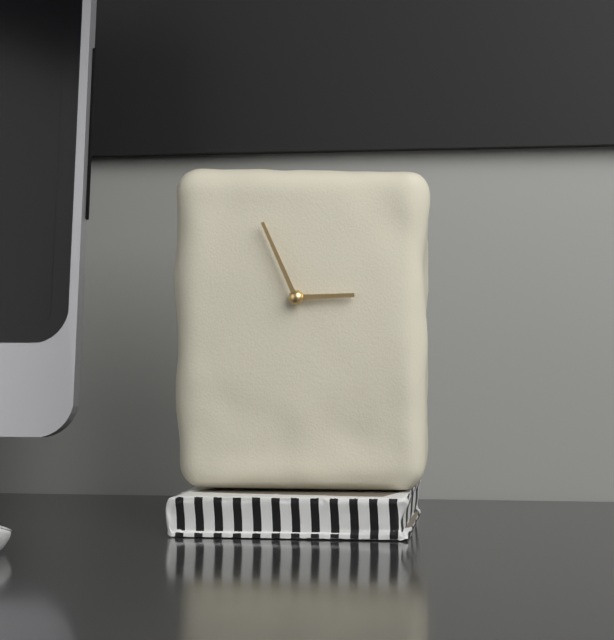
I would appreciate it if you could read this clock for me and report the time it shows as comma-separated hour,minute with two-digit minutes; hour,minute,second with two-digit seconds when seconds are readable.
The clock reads 2,56
